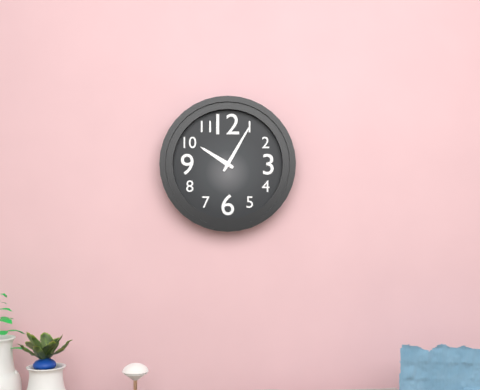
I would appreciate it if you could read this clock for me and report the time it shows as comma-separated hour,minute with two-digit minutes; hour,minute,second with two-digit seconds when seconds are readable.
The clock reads 10,05
